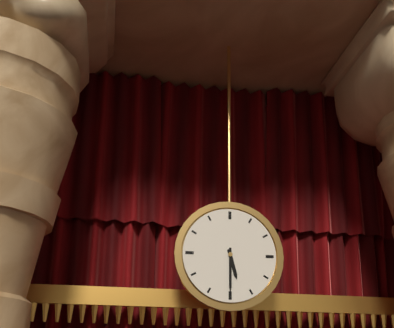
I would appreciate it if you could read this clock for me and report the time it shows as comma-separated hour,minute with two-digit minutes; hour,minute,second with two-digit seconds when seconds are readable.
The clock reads 5,30
